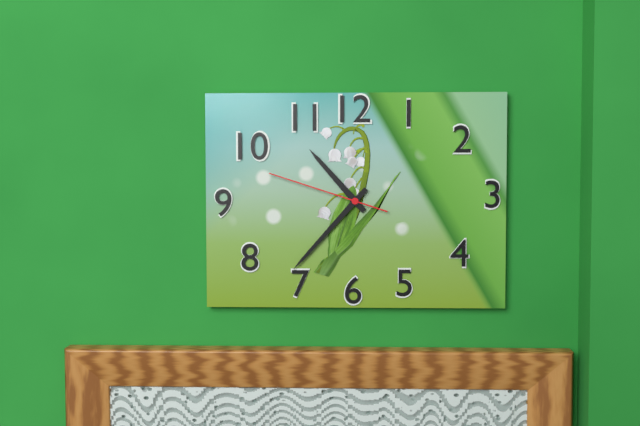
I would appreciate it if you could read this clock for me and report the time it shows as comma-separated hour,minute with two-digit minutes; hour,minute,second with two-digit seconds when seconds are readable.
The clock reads 10,37,48
